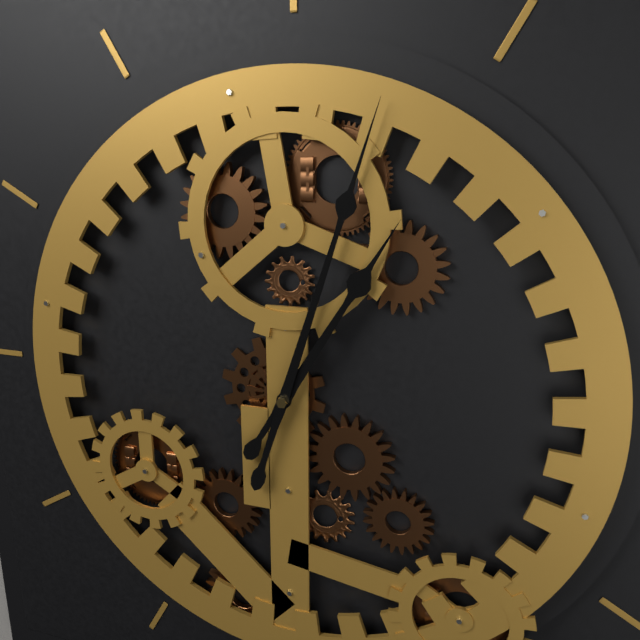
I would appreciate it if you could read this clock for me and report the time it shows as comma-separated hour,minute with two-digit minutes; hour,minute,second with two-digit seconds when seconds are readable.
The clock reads 1,03
